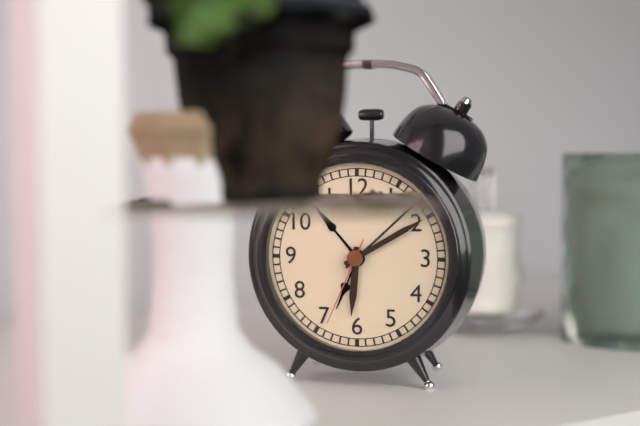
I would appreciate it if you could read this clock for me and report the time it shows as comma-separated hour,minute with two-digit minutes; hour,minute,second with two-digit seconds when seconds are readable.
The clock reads 6,10,34
